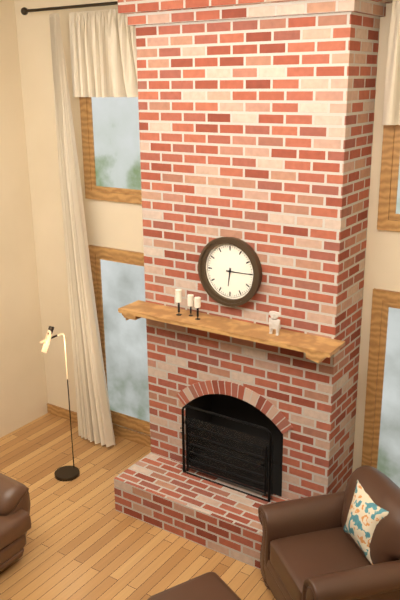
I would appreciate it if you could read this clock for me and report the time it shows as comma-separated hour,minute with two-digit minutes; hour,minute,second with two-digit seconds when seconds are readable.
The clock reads 6,15
